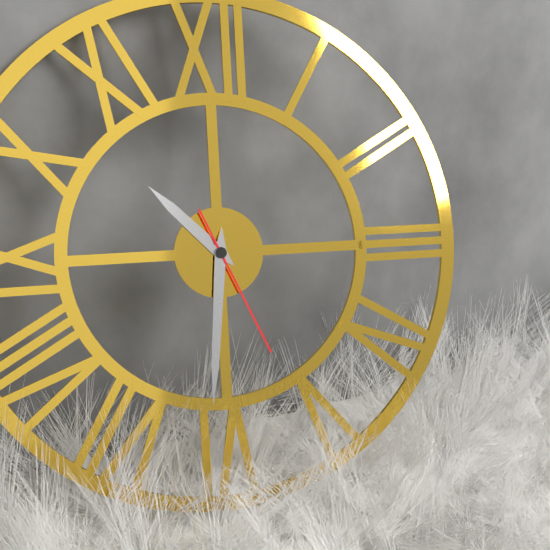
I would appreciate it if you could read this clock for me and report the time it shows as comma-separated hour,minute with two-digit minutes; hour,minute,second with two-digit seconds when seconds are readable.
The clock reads 10,31,26
